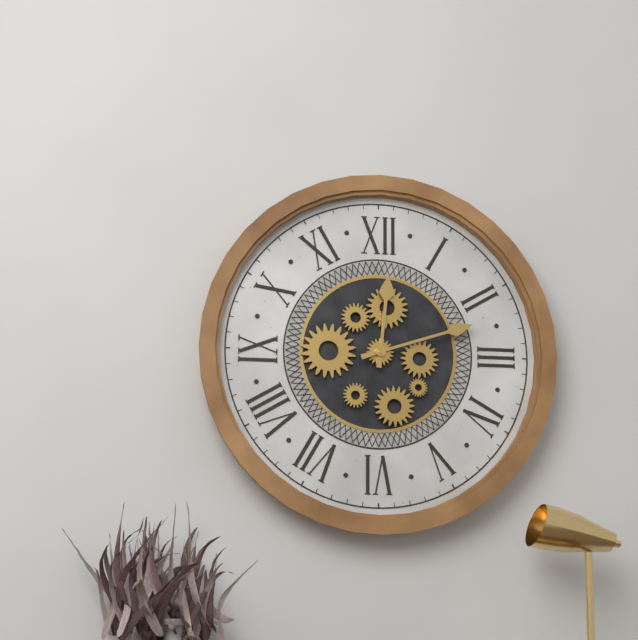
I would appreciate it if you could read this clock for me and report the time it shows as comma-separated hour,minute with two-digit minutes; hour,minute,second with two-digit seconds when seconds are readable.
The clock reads 12,12
